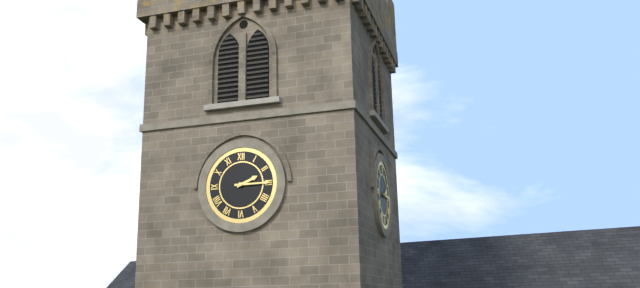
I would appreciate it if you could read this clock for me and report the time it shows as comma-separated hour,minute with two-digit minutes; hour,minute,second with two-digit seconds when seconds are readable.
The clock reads 2,15
